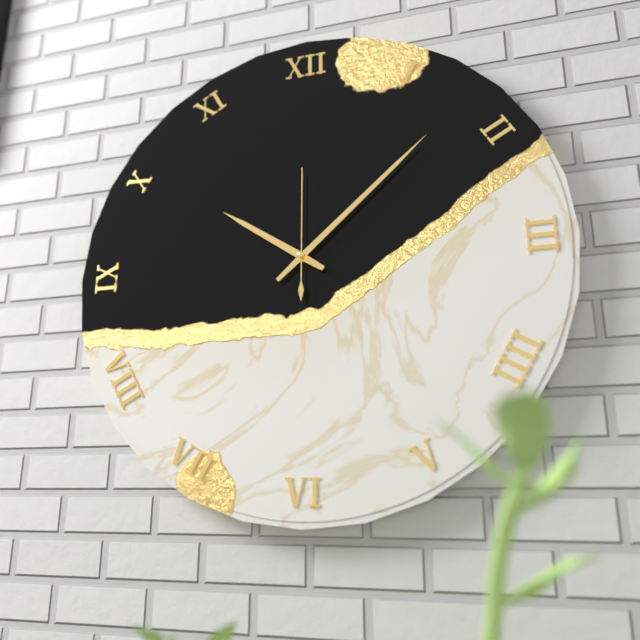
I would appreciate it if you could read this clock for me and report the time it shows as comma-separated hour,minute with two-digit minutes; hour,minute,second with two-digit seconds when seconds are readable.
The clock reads 10,08,00
